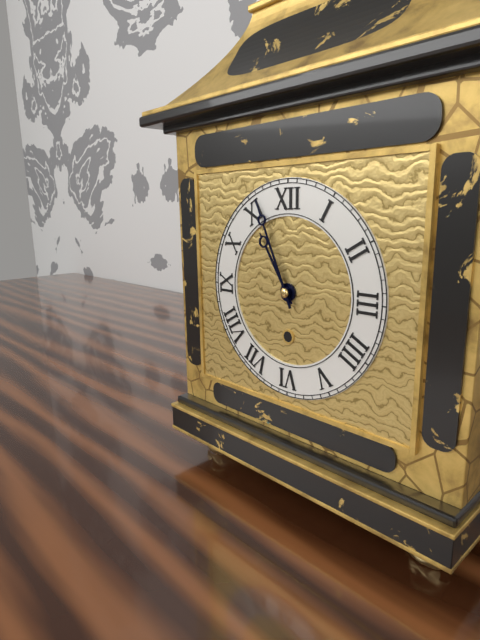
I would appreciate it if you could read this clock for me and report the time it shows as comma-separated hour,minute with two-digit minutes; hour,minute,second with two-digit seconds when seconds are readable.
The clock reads 10,56
